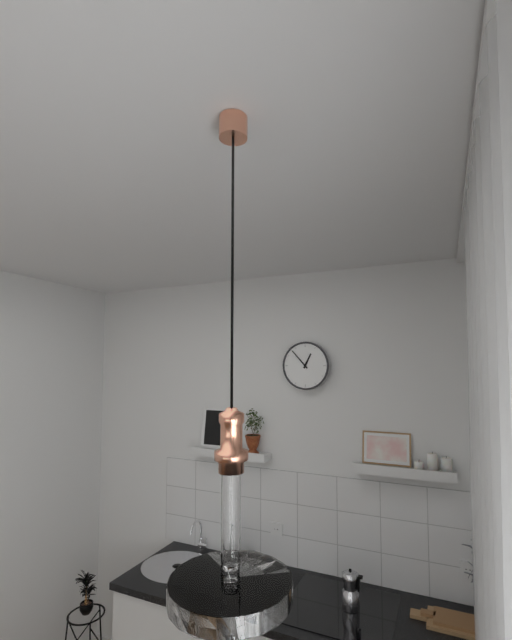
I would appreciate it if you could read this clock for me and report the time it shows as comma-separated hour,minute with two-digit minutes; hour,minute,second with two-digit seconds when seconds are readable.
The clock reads 12,53
